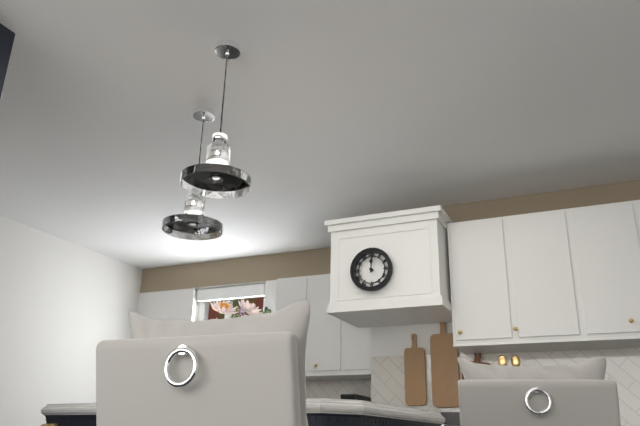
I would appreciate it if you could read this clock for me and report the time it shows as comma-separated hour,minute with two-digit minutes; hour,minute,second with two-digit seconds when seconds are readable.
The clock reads 12,01
